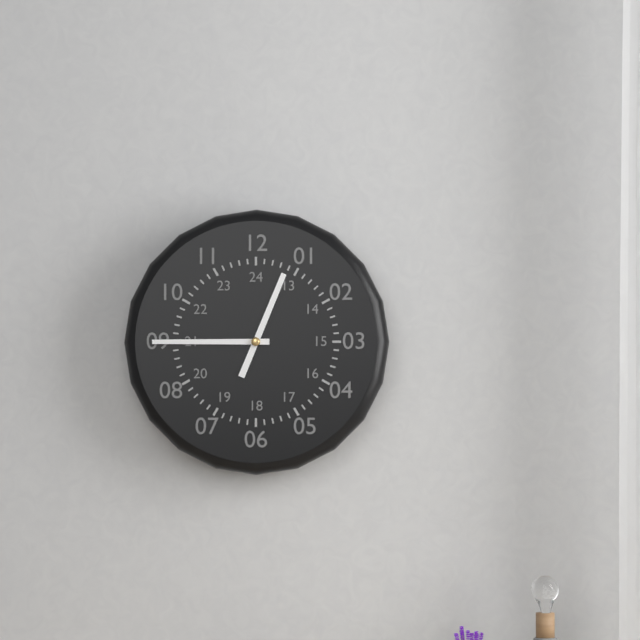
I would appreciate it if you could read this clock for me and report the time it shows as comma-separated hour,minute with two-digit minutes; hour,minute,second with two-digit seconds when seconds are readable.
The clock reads 12,45
